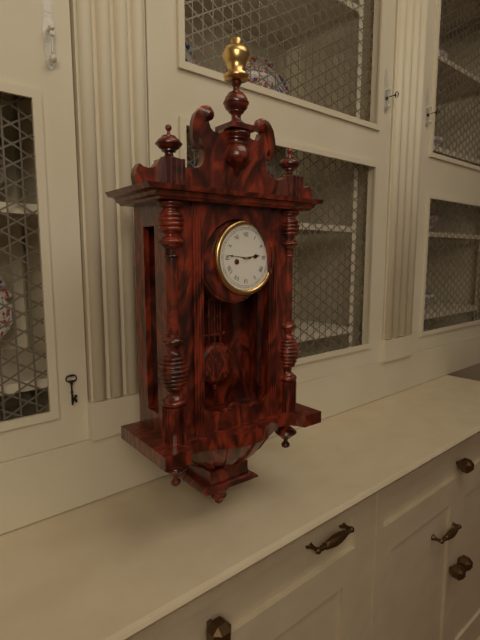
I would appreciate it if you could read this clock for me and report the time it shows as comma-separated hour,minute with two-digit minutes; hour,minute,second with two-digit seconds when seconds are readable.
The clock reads 2,46
